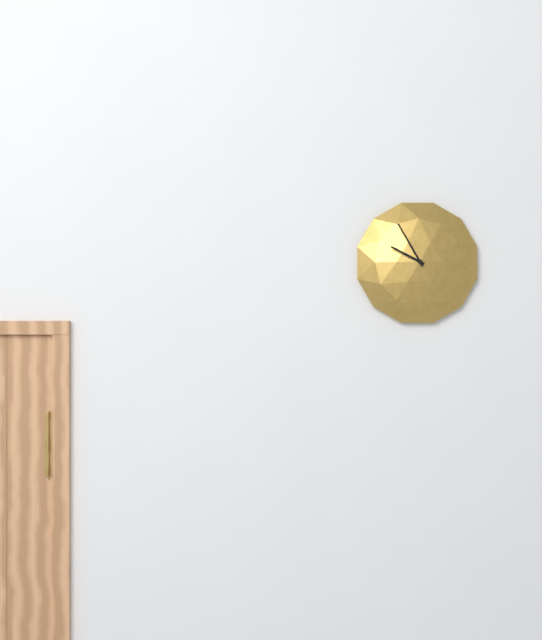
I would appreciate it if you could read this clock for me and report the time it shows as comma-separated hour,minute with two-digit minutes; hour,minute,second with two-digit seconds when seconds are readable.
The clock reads 9,55
